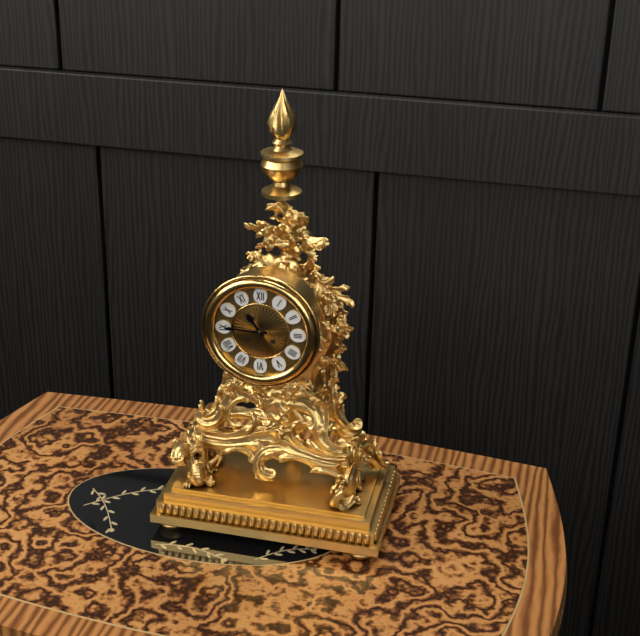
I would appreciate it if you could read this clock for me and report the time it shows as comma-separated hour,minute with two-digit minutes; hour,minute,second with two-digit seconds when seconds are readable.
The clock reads 10,45
